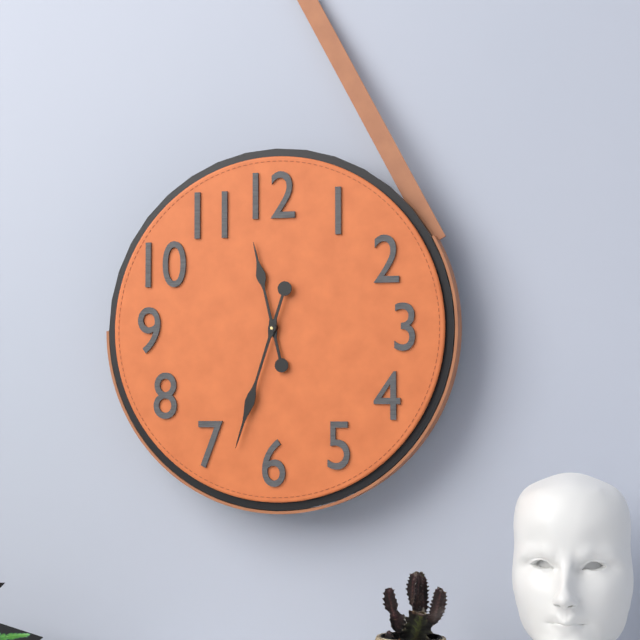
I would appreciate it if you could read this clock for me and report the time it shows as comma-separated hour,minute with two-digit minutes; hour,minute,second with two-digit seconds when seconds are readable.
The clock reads 11,33
